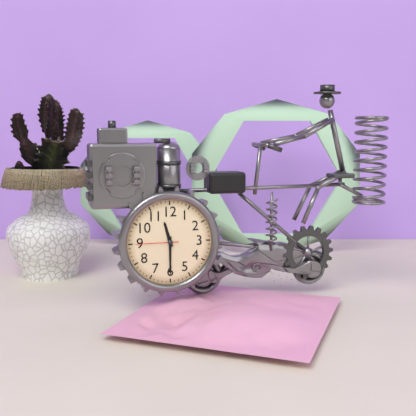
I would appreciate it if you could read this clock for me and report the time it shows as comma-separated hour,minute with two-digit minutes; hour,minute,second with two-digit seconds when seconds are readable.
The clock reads 11,30
